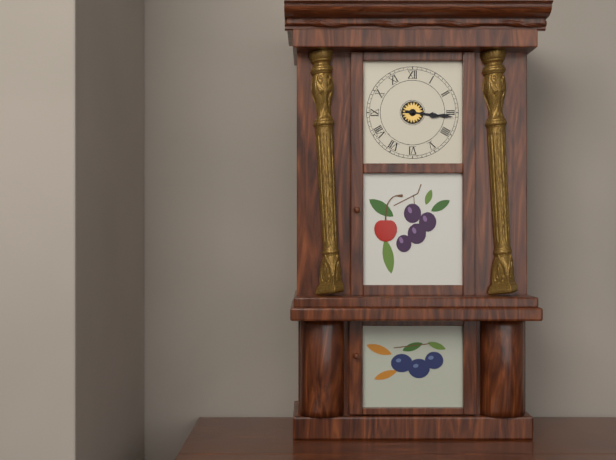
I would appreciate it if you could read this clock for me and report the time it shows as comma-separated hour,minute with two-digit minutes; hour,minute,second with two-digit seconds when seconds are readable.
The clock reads 3,16
